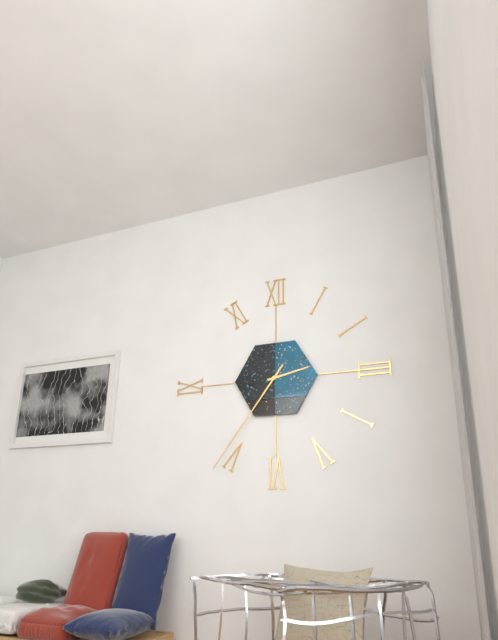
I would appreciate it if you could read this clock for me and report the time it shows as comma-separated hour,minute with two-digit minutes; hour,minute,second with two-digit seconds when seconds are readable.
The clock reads 2,36
